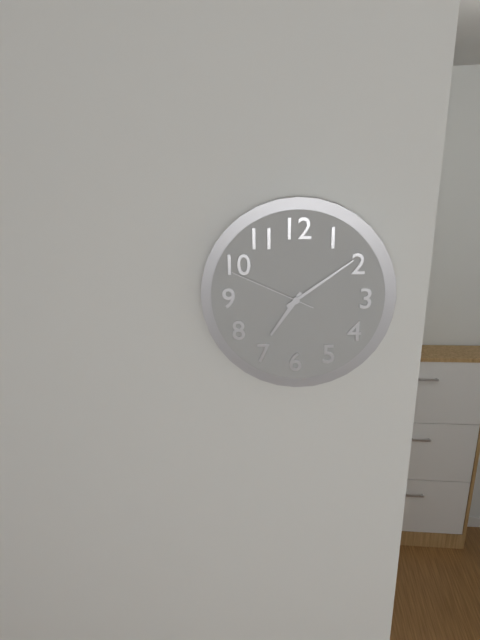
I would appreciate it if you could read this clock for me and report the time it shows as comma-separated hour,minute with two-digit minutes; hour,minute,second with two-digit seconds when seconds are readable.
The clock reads 7,09,49
